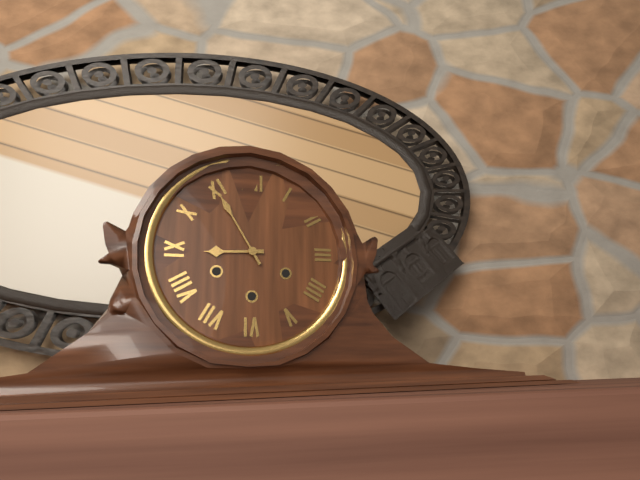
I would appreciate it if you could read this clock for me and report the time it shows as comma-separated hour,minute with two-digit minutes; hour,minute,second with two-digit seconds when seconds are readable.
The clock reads 8,55
